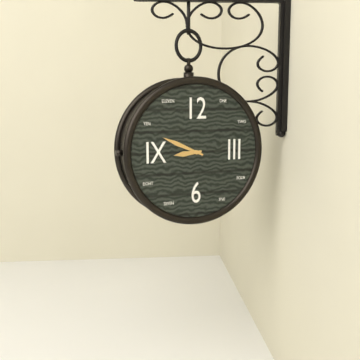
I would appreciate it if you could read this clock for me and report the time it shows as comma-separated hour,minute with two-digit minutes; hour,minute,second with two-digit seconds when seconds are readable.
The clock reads 8,49
